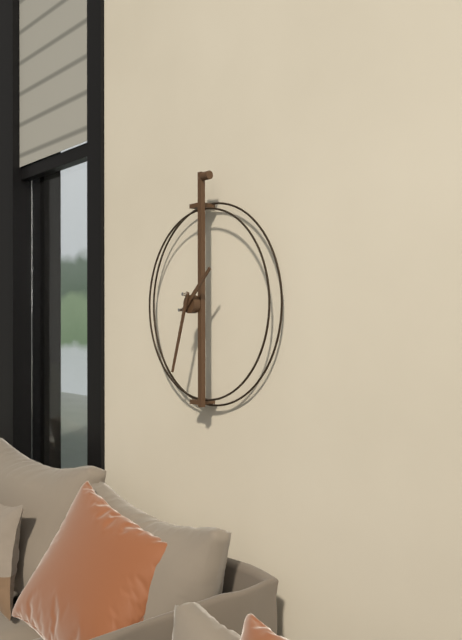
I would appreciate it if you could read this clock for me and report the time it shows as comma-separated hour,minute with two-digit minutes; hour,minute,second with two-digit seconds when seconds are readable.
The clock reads 1,33
